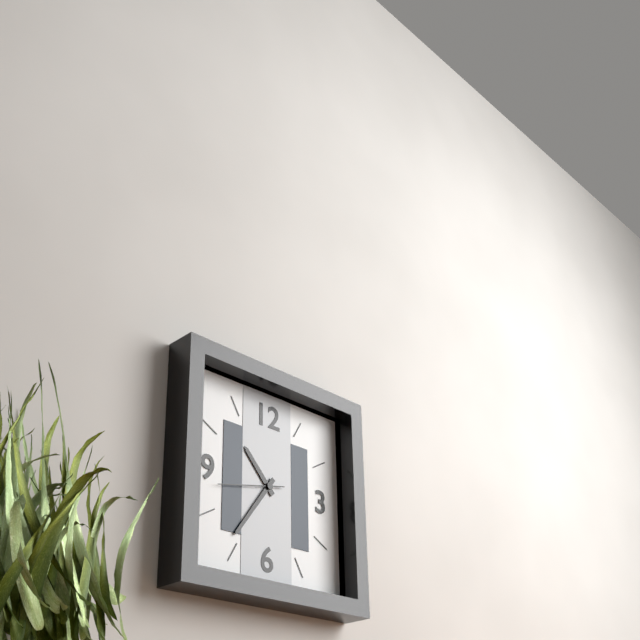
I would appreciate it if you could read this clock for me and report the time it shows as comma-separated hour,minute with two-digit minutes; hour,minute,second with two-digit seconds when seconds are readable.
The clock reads 10,36,43
